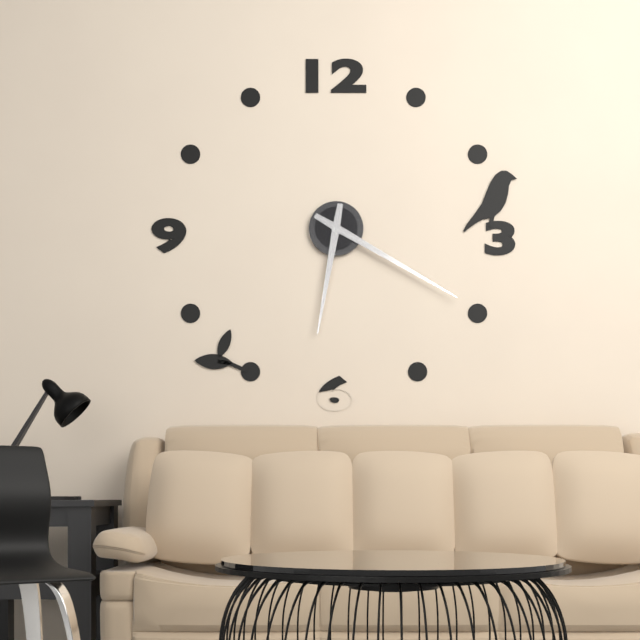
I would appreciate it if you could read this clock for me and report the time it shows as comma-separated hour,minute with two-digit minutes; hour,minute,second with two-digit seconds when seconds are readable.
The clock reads 6,20
